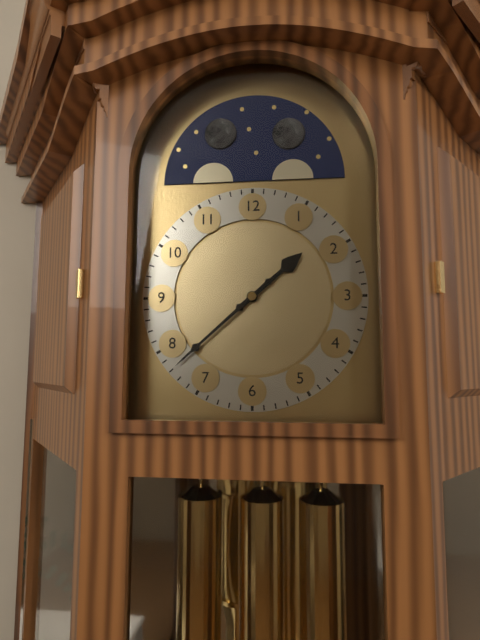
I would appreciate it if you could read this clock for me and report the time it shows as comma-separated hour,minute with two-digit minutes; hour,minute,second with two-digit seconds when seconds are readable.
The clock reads 1,38
